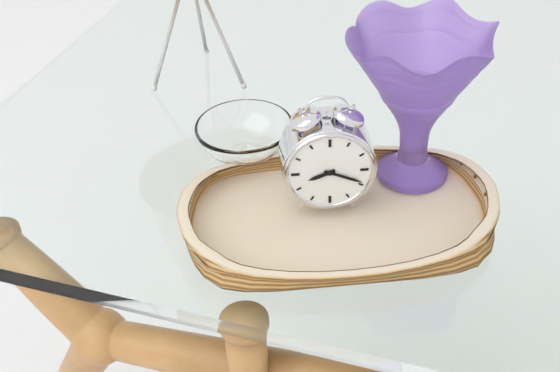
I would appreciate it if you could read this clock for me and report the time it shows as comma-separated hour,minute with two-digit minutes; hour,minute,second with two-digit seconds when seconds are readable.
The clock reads 8,19
